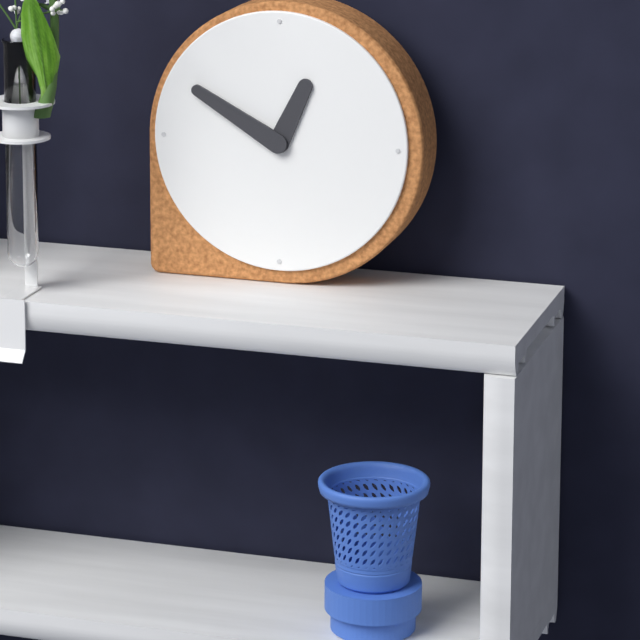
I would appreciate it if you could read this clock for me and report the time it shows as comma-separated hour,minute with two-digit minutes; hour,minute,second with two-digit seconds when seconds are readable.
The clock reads 12,50
